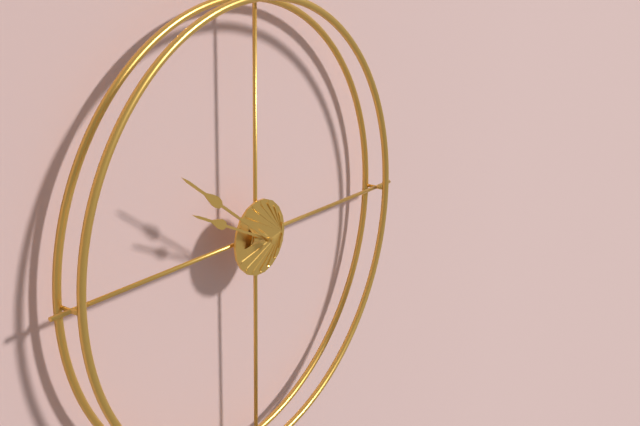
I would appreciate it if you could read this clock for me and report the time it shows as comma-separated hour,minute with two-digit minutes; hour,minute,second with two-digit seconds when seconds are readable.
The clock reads 9,51
